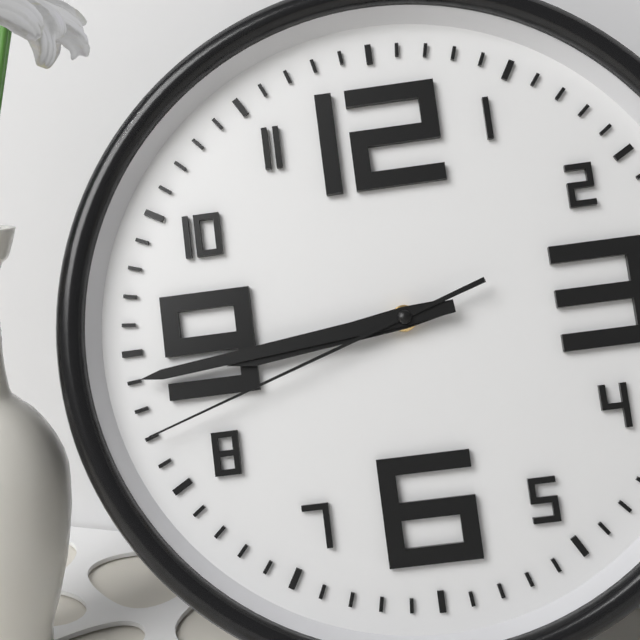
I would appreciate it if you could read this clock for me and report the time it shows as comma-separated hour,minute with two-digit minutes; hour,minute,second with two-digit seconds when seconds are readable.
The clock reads 8,44,42
